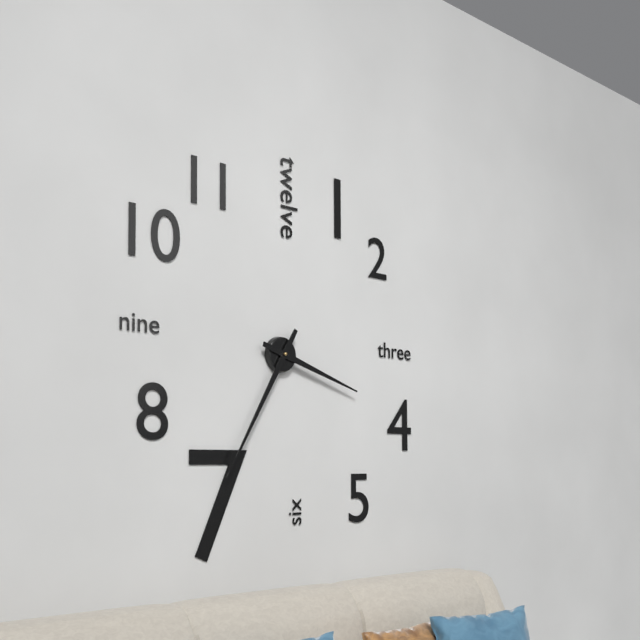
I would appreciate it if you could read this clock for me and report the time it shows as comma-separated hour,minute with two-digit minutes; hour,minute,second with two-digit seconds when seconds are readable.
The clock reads 3,35
